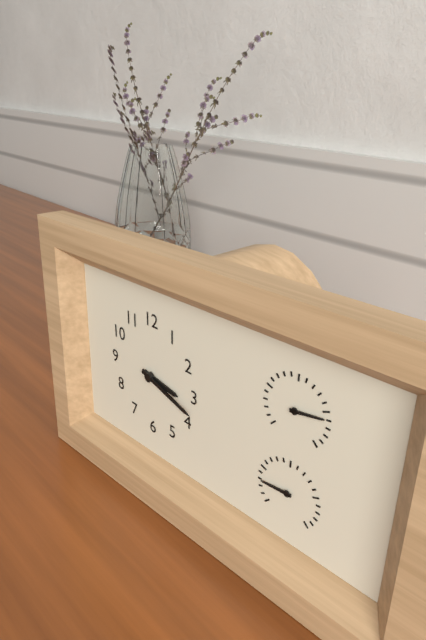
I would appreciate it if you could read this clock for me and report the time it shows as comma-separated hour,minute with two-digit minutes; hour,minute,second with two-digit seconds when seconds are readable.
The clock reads 3,18
